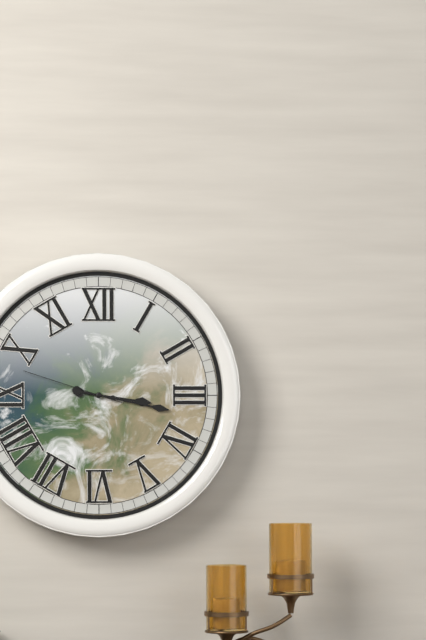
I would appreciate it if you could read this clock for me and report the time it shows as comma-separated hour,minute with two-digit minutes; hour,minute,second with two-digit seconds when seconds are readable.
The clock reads 3,17,48
